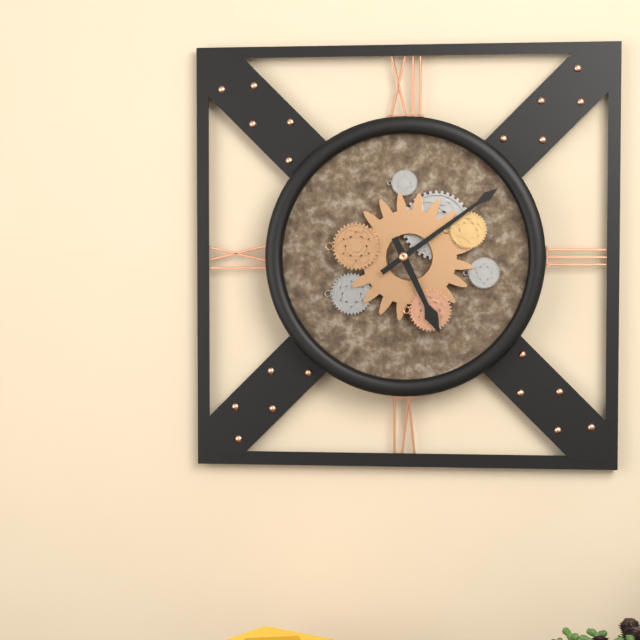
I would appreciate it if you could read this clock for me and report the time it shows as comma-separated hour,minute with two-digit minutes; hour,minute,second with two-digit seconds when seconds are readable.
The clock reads 5,09
